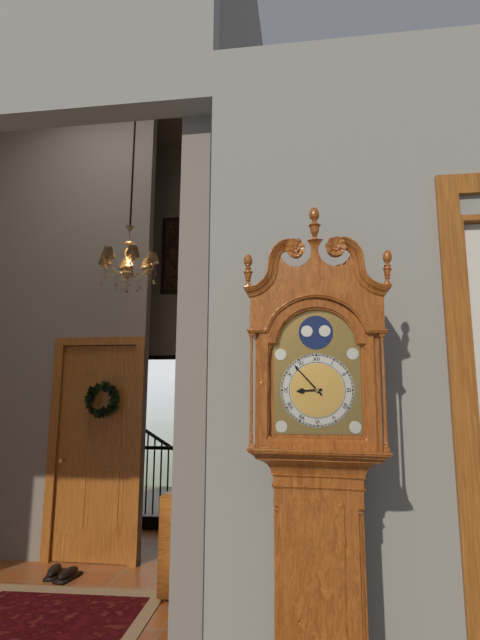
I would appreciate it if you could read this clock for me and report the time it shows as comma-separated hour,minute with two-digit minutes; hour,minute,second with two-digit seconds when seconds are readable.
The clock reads 8,53
